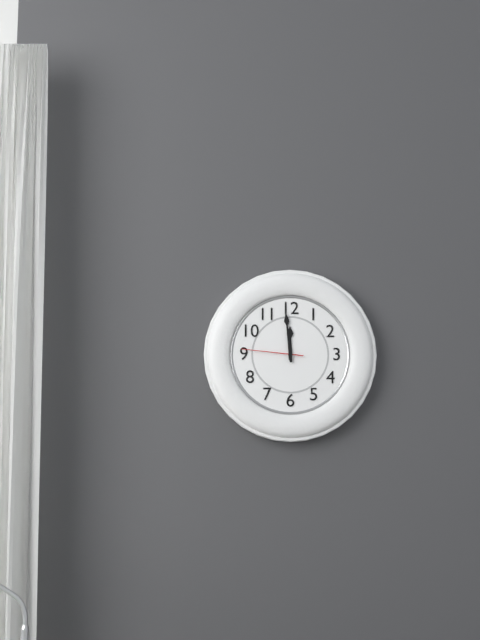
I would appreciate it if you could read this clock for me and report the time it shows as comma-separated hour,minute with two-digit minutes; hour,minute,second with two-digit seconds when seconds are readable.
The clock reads 11,59,46
